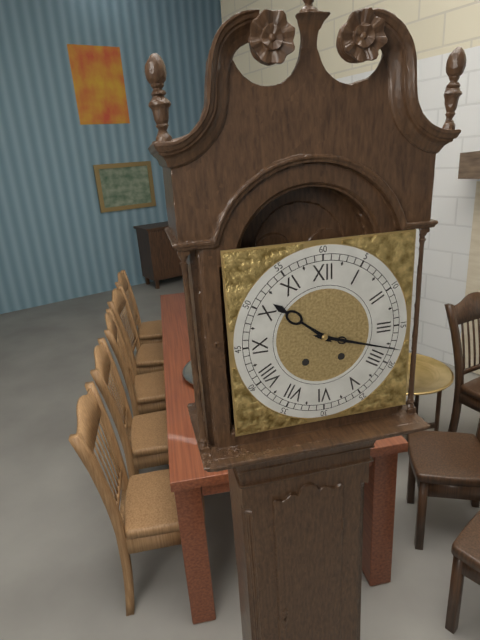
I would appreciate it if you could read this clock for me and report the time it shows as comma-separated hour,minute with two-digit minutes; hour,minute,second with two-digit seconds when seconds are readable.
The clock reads 10,18
